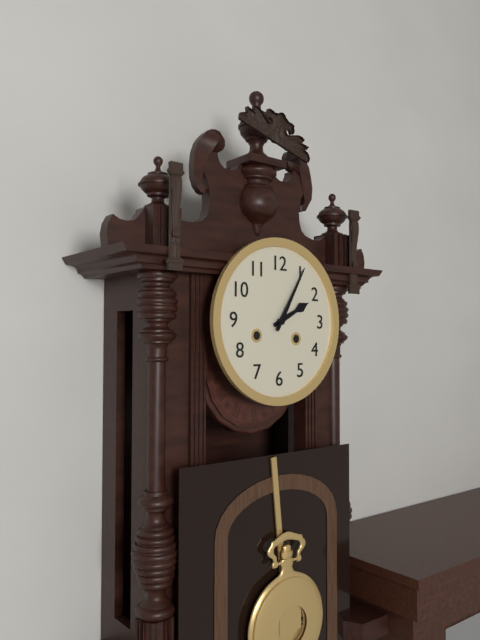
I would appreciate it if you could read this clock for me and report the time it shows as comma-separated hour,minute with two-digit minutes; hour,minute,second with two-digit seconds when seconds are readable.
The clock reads 2,05
